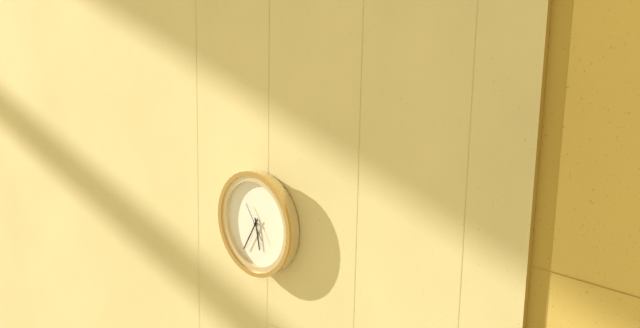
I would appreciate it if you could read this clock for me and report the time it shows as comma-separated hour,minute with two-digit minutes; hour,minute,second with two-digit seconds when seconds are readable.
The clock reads 5,35
